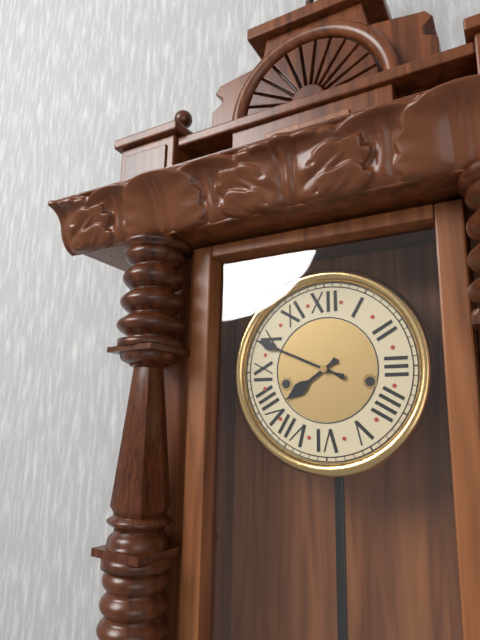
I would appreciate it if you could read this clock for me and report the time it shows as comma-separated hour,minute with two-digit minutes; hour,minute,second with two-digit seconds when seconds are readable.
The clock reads 7,49
